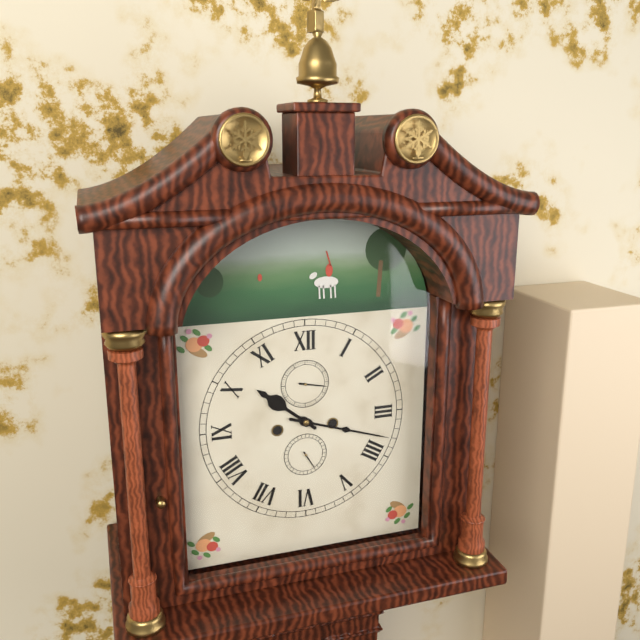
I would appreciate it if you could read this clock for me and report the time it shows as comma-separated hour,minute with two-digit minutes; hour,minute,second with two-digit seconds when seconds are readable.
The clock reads 10,18
